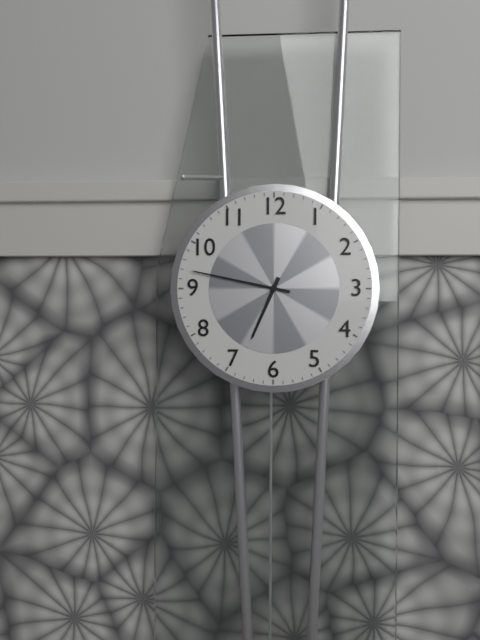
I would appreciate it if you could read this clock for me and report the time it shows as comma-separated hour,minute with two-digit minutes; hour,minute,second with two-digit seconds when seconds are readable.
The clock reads 6,47
